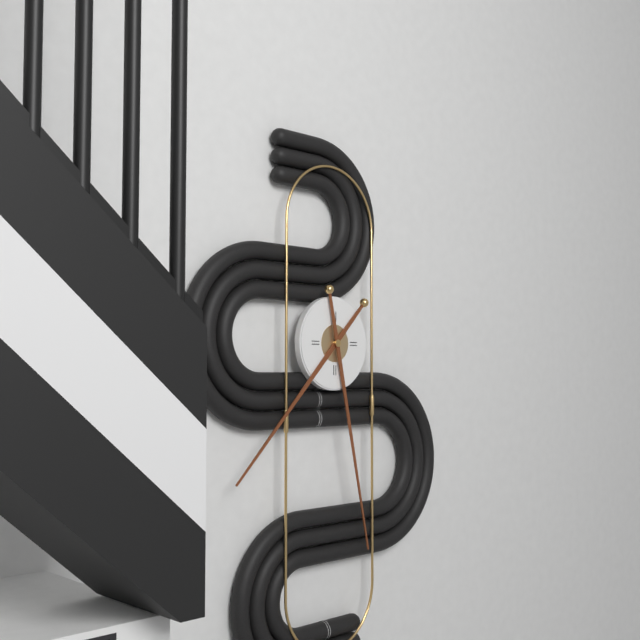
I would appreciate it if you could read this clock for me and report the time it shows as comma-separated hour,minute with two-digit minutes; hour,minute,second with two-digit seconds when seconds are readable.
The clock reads 7,28
